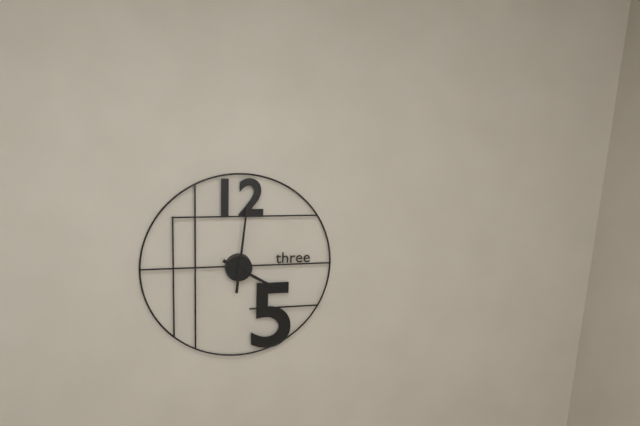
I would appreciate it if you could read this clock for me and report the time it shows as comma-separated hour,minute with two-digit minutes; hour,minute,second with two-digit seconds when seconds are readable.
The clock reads 4,01
